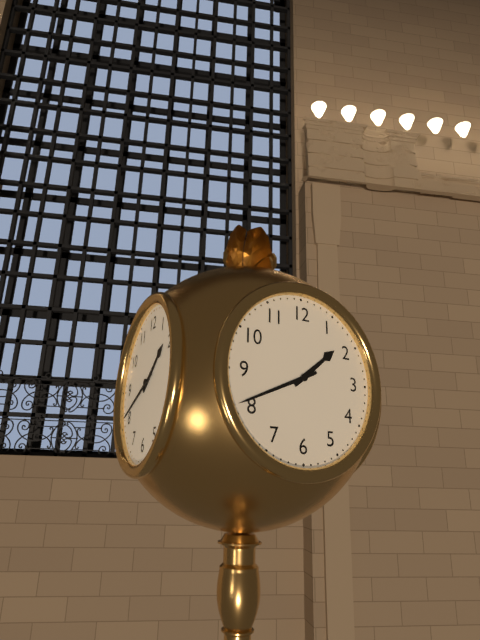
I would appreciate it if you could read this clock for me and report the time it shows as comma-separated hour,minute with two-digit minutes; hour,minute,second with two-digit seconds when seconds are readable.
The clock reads 1,41
